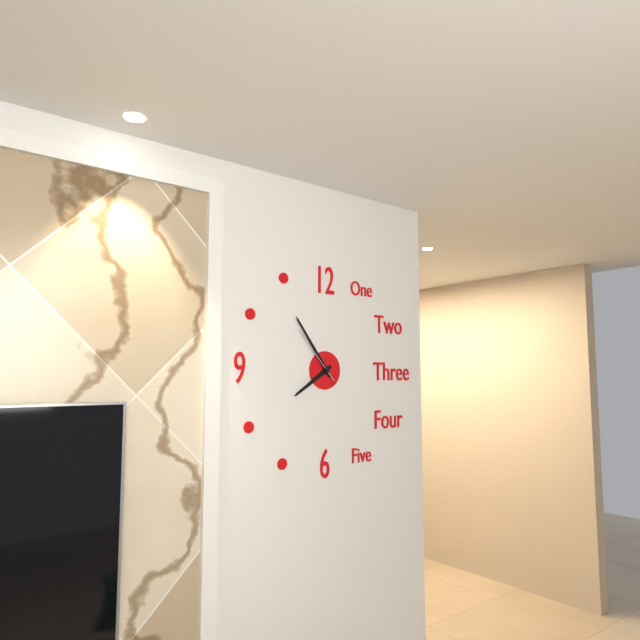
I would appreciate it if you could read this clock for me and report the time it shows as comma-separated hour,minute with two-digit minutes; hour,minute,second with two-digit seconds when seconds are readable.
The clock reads 7,54,53
